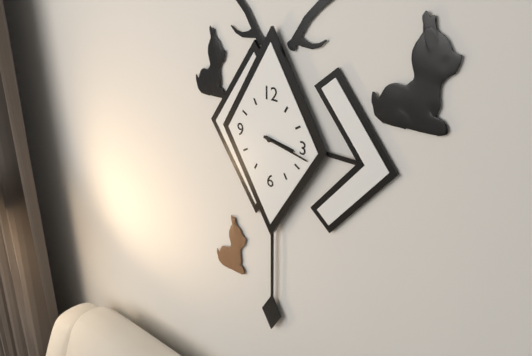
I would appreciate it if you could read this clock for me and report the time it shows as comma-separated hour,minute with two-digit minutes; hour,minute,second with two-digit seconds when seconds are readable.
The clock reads 3,17
